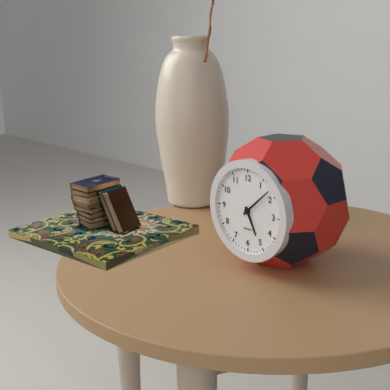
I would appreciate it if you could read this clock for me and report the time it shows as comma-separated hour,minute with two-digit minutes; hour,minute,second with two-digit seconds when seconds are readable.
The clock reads 5,08
